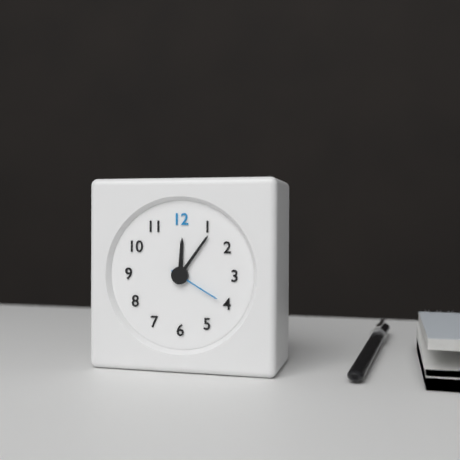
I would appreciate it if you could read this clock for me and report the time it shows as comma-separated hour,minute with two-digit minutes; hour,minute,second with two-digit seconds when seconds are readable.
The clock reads 12,06
